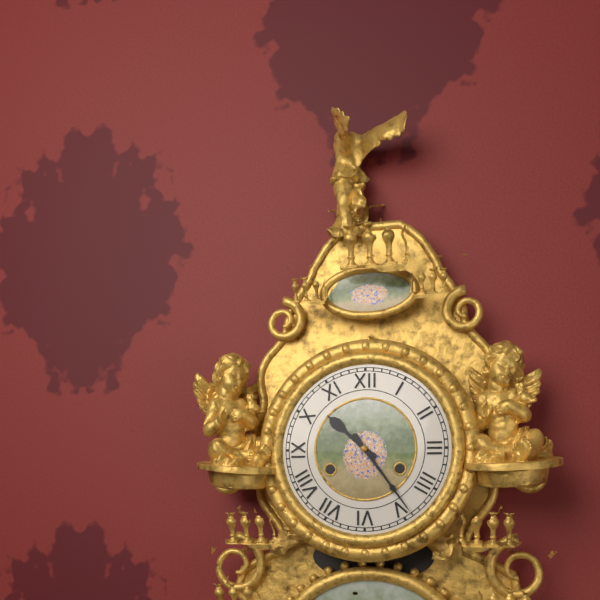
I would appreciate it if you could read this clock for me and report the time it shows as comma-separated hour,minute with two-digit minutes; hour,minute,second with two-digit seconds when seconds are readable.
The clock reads 10,24
